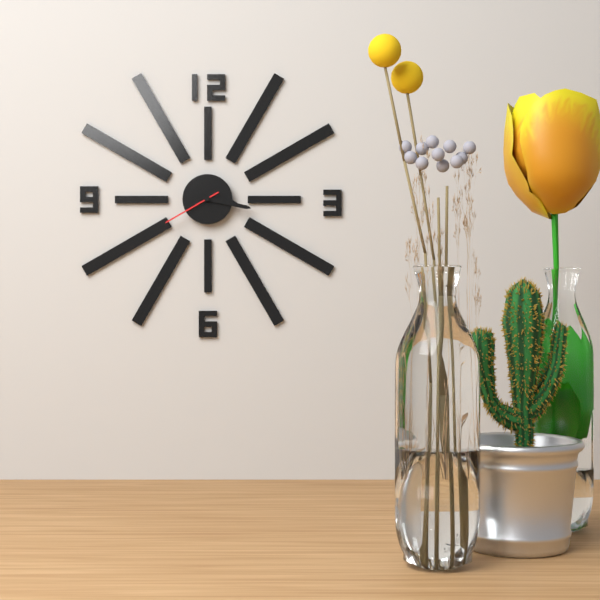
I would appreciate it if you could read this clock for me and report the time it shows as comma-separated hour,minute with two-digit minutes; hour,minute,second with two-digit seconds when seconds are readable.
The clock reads 3,17,40
